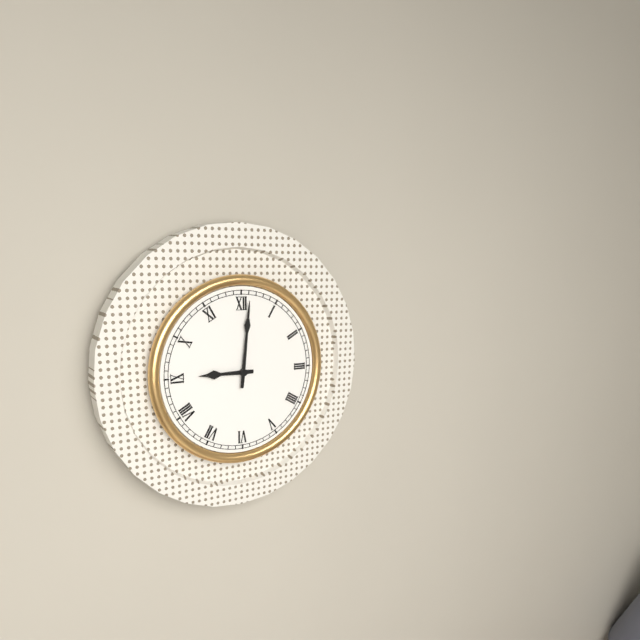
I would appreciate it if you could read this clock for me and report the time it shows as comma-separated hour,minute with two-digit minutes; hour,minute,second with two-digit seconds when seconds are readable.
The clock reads 9,01
